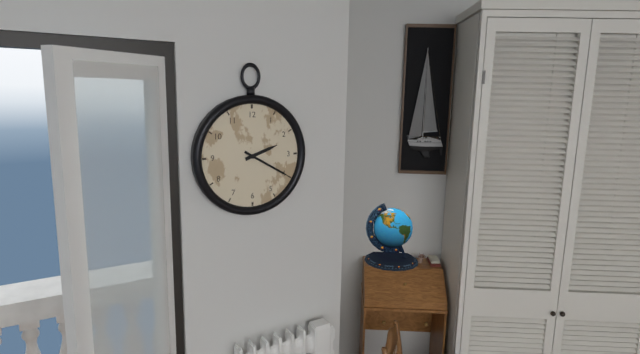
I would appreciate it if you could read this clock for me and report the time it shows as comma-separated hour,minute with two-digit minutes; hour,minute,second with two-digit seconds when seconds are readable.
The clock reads 2,20
